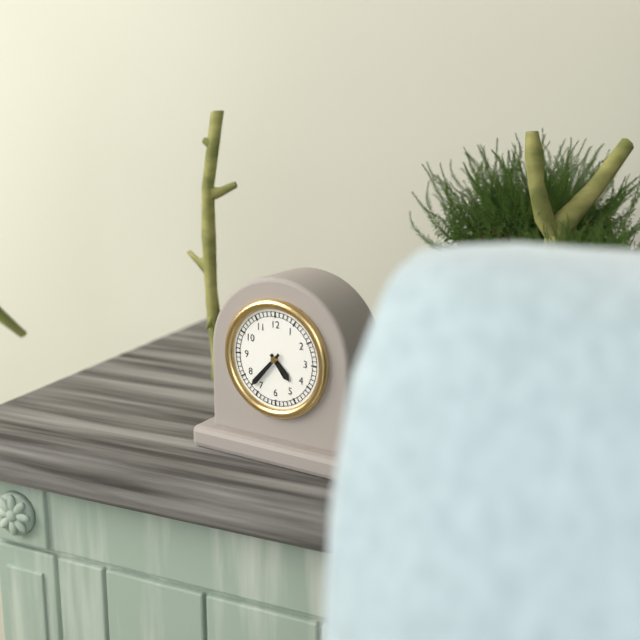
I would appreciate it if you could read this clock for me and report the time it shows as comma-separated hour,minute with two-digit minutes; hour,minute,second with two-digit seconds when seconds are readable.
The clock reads 4,37
